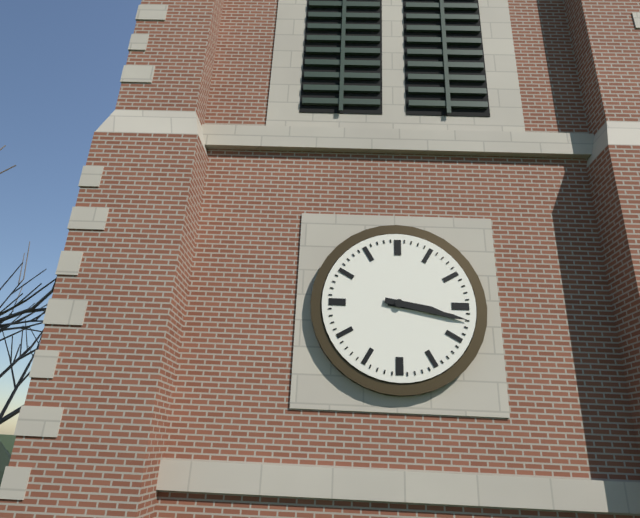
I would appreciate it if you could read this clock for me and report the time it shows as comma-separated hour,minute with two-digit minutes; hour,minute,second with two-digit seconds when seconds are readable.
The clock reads 3,17
